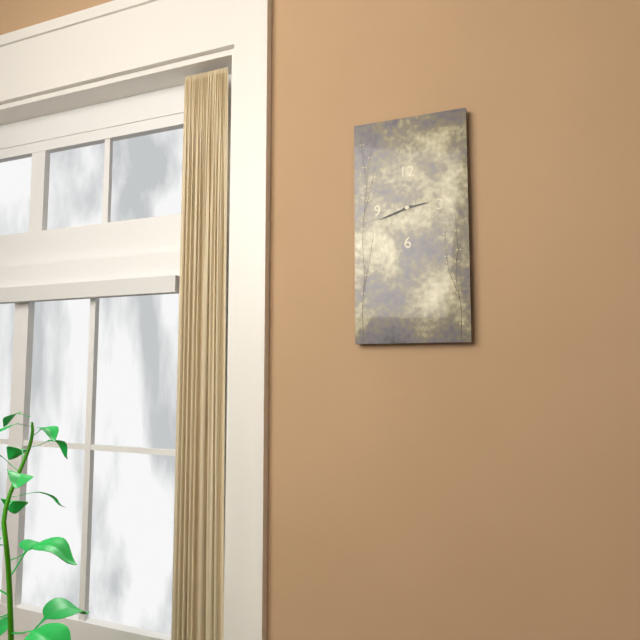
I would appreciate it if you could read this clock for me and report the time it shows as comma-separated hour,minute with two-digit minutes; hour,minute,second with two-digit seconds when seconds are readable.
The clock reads 2,42
